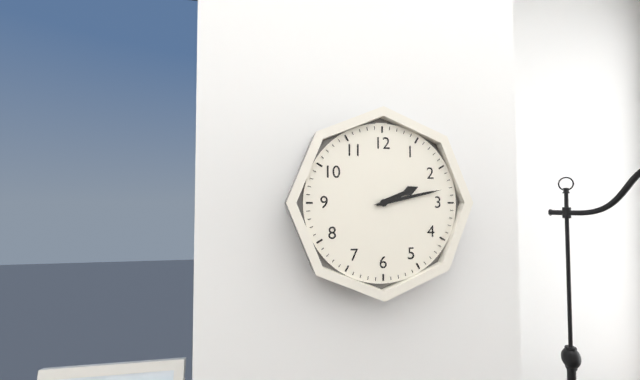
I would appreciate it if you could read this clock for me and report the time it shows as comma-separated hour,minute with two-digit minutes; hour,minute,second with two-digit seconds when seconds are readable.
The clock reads 2,13
